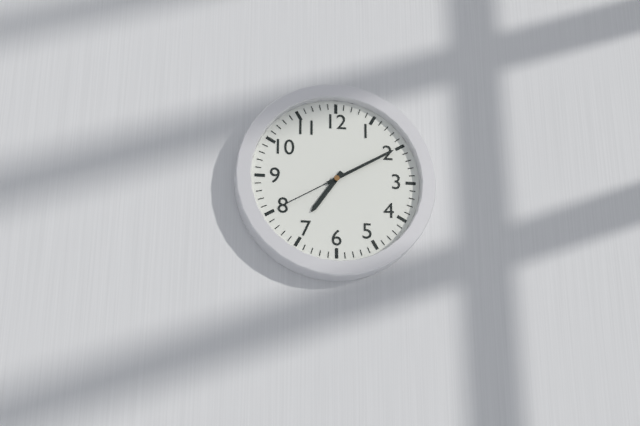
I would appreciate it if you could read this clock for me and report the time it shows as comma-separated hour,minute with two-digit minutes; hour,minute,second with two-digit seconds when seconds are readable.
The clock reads 7,10,40
